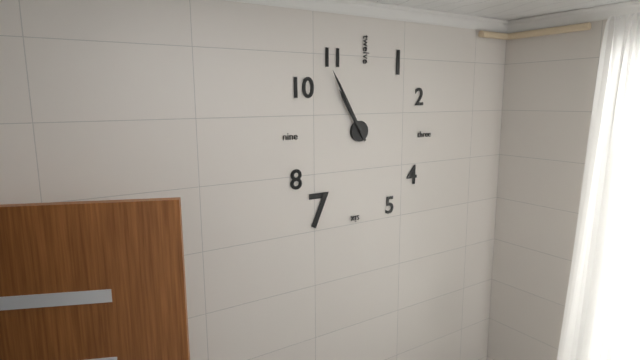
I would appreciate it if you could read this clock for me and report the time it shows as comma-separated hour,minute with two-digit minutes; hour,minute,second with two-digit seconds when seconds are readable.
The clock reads 10,55
